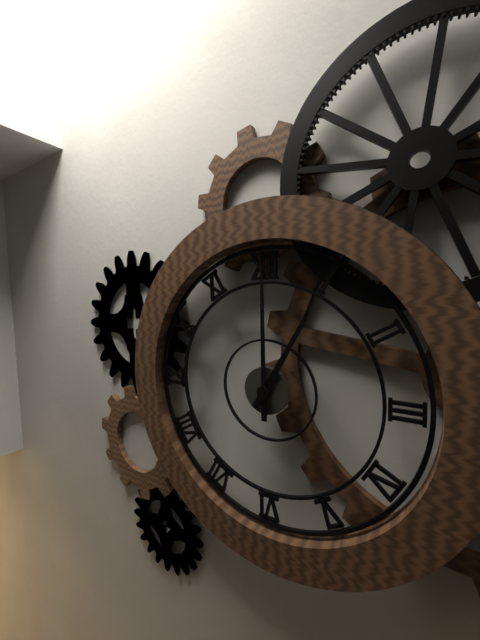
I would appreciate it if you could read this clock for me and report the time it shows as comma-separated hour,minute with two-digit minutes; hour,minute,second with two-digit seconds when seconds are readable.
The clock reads 1,00
